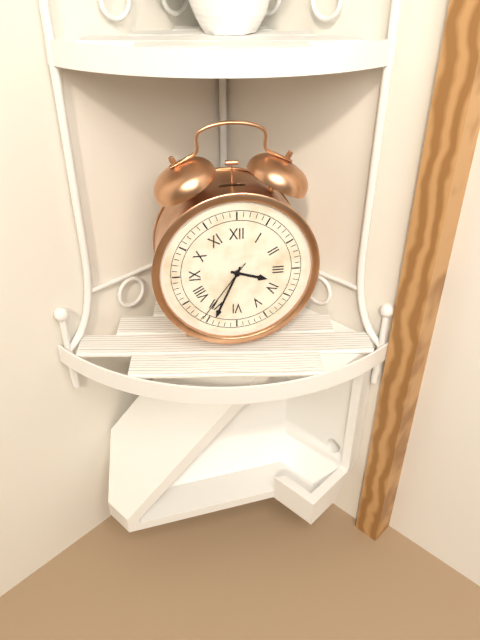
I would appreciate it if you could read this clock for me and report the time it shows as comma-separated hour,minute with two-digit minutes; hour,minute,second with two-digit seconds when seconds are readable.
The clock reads 3,34,36
